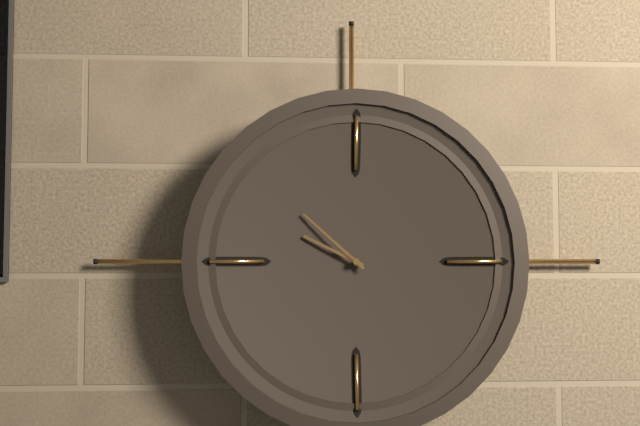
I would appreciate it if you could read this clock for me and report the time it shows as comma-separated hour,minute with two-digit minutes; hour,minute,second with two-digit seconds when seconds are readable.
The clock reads 9,52
